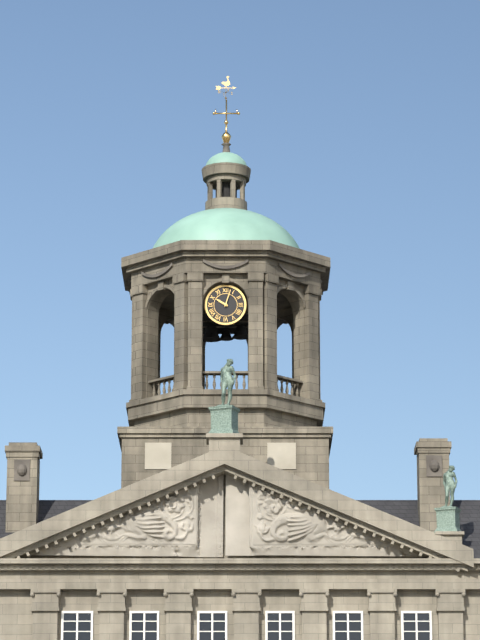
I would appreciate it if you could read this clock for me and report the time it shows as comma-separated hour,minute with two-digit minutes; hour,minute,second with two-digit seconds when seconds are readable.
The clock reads 10,03
